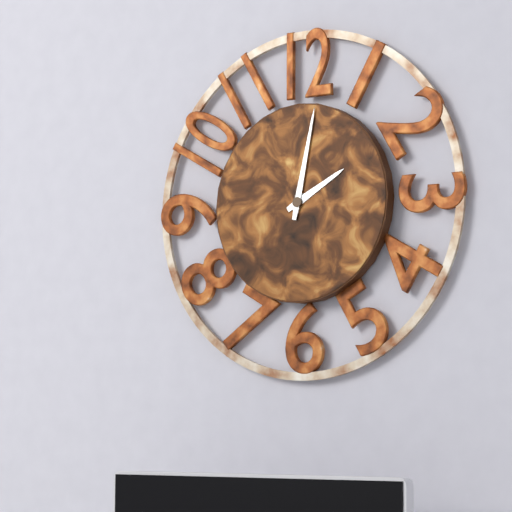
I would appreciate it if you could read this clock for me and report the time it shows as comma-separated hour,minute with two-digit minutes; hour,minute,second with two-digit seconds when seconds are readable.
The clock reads 2,02
